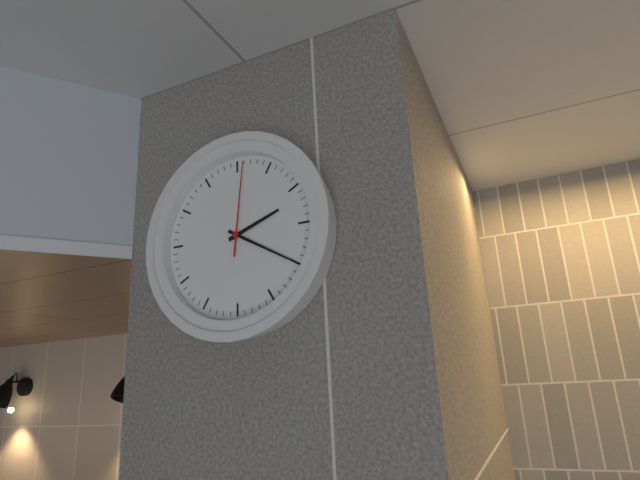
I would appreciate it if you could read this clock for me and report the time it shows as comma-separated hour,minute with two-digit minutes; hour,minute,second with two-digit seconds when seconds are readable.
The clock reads 2,20,01
